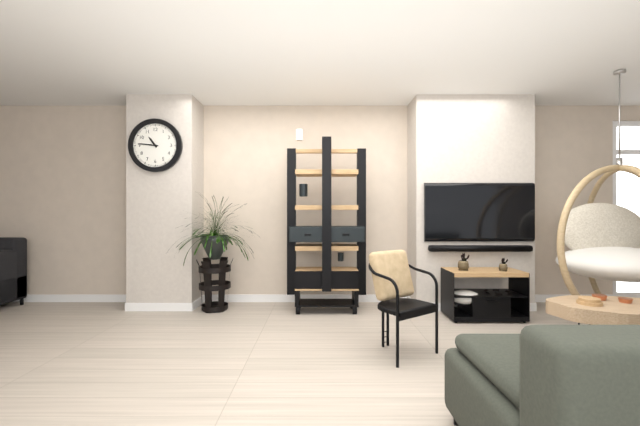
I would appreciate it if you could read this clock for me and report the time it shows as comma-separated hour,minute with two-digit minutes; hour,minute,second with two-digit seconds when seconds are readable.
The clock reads 10,46
